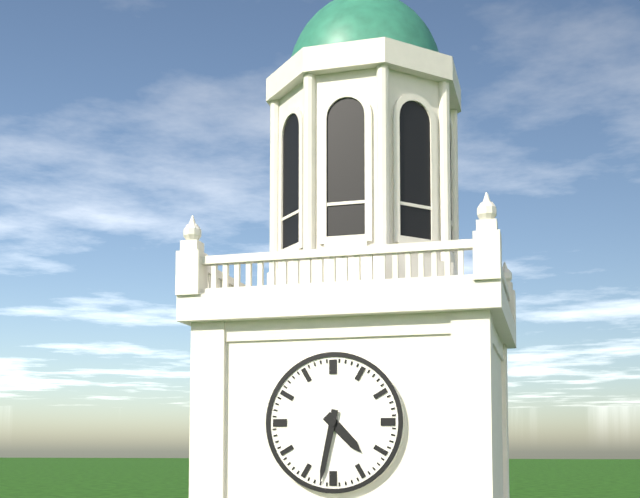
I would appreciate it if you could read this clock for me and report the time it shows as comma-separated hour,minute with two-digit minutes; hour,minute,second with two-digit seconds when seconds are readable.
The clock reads 4,32
